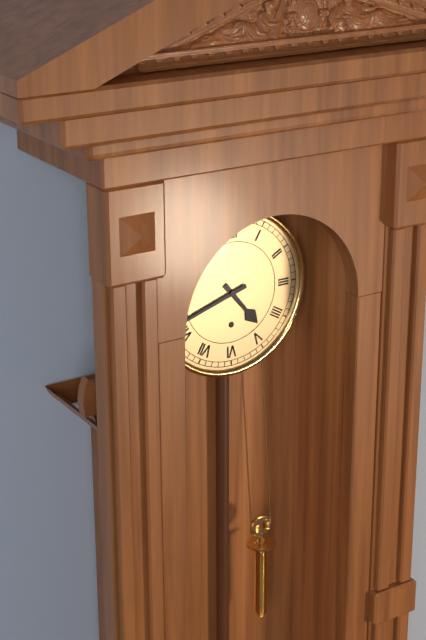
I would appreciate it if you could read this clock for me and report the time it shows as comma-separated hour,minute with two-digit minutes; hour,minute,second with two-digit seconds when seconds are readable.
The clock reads 4,42
